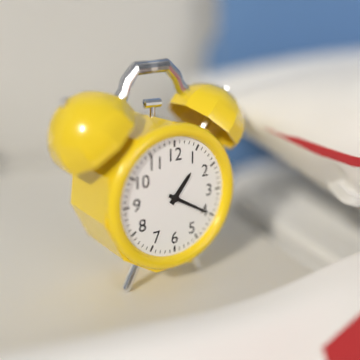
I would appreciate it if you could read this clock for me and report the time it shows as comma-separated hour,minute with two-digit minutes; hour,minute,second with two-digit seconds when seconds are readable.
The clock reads 1,20
